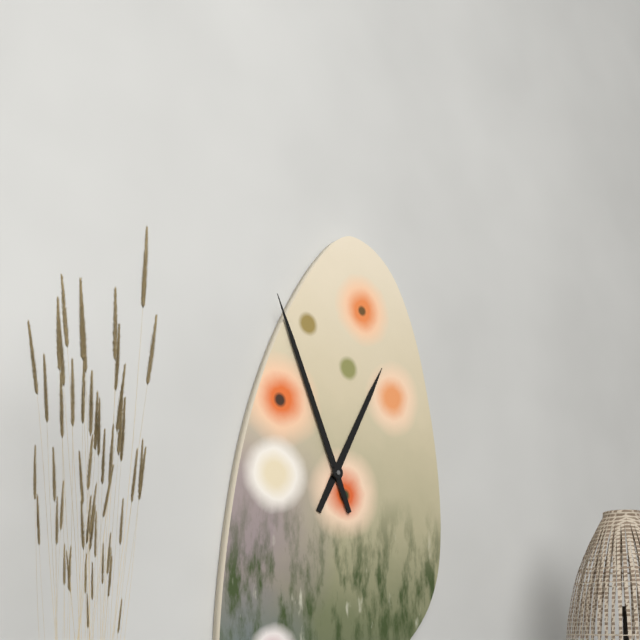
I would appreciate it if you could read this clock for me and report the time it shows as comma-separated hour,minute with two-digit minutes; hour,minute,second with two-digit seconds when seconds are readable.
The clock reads 12,56
